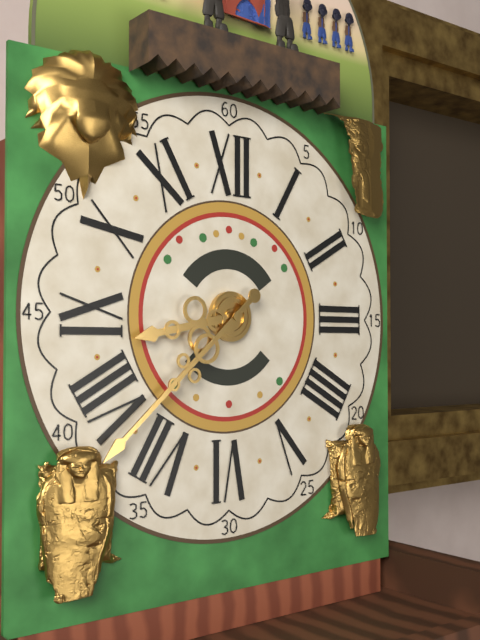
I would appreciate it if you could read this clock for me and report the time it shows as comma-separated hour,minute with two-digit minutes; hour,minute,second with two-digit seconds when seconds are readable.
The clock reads 8,38
